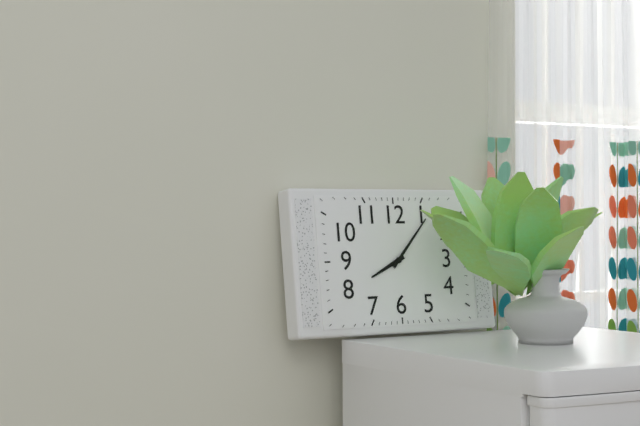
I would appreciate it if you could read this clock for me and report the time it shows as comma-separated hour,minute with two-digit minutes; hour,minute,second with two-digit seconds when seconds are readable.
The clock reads 8,07
